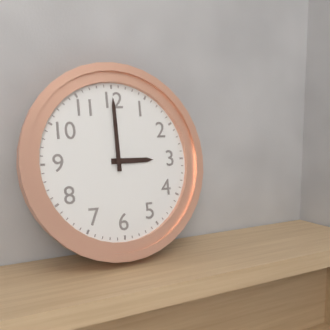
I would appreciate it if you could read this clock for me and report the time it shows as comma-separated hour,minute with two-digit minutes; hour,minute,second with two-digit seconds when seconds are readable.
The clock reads 3,00
